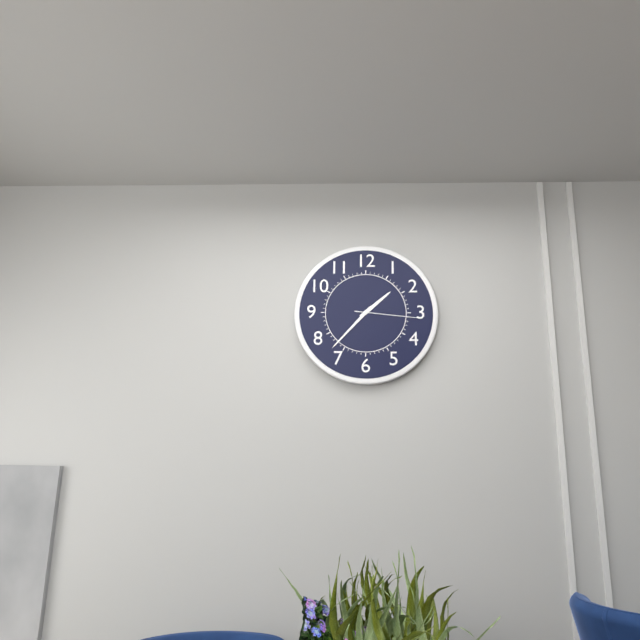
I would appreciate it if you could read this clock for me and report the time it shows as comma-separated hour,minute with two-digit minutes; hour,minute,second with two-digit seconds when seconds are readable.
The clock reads 1,37,16
